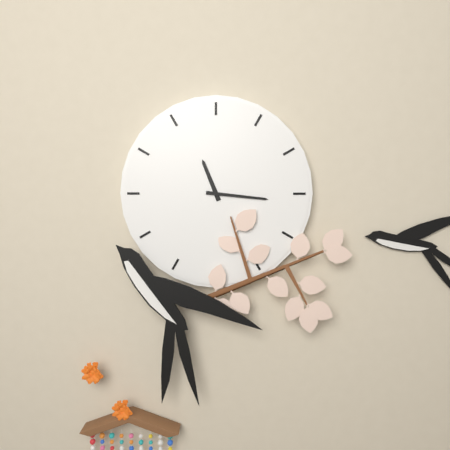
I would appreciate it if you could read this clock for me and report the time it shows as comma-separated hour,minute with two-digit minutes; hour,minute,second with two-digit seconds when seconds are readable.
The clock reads 11,16
